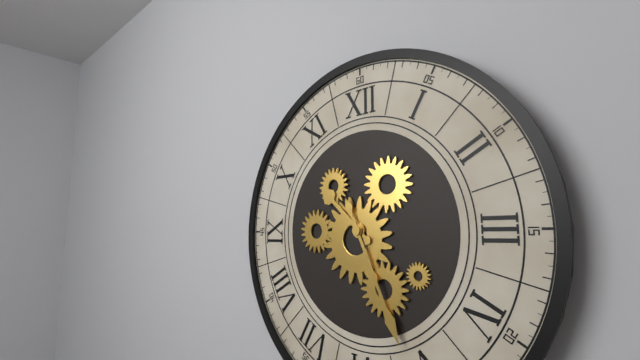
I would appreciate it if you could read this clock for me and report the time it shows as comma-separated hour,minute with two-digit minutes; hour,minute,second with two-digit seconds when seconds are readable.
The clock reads 10,26
